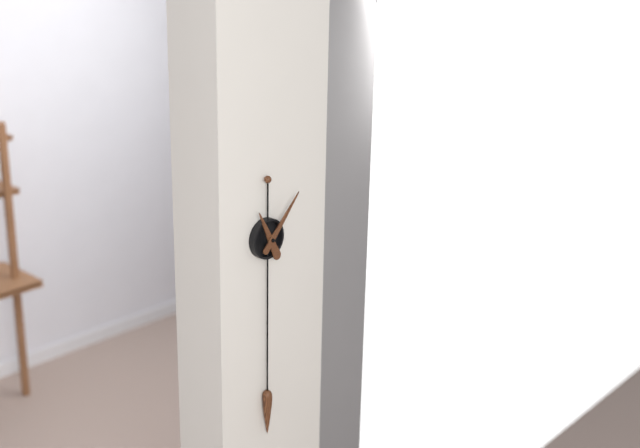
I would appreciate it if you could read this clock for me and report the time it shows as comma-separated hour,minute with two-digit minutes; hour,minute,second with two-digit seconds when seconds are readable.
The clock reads 11,07
